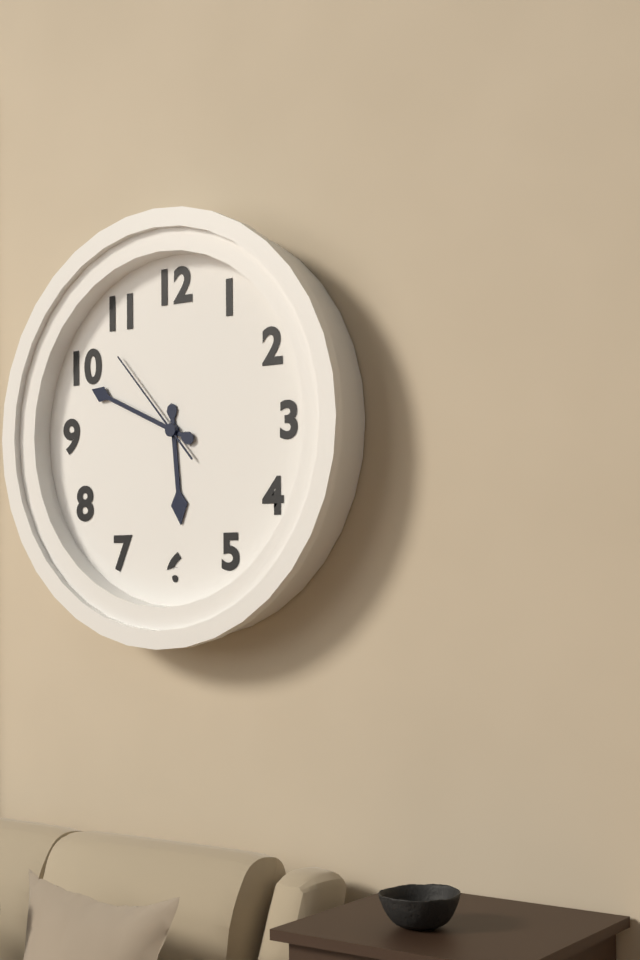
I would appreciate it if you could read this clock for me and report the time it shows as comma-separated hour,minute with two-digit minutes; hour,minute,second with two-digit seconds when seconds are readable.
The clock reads 5,49,53
